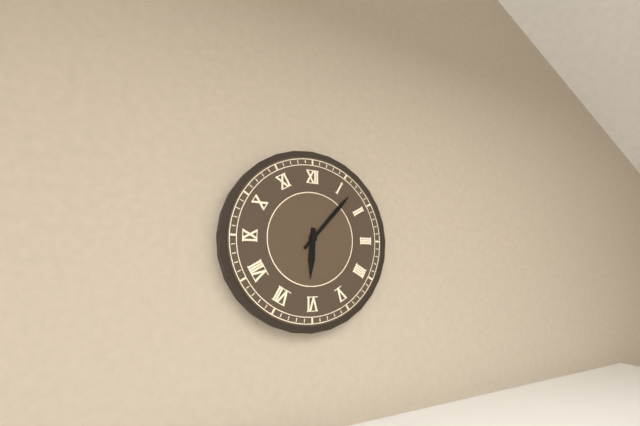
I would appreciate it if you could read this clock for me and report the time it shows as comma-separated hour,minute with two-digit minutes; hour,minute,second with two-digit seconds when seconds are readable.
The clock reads 6,07
